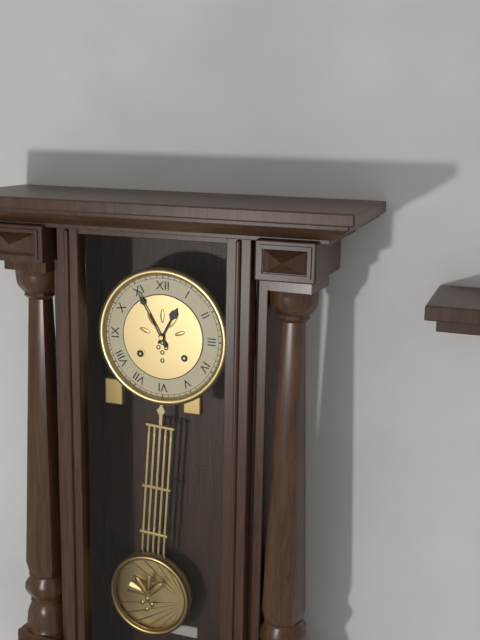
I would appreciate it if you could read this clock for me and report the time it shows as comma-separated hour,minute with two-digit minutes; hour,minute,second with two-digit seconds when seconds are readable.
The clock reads 12,55
